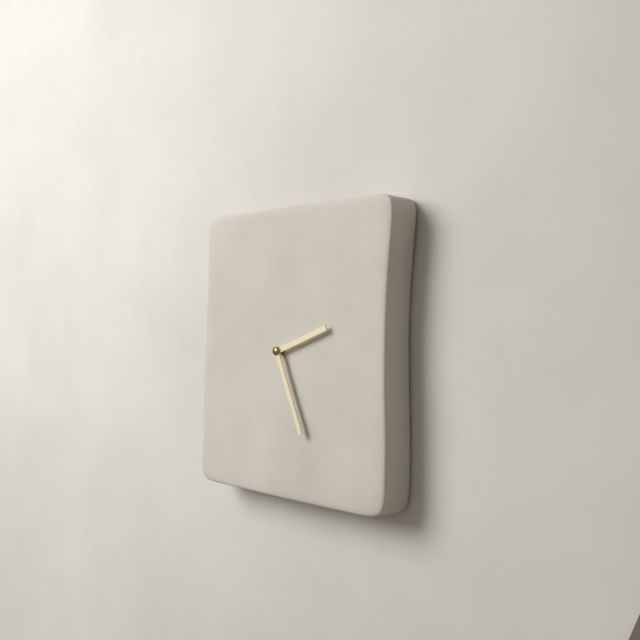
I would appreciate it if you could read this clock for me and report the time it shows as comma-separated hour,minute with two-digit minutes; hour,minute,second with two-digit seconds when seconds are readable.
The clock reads 2,26
